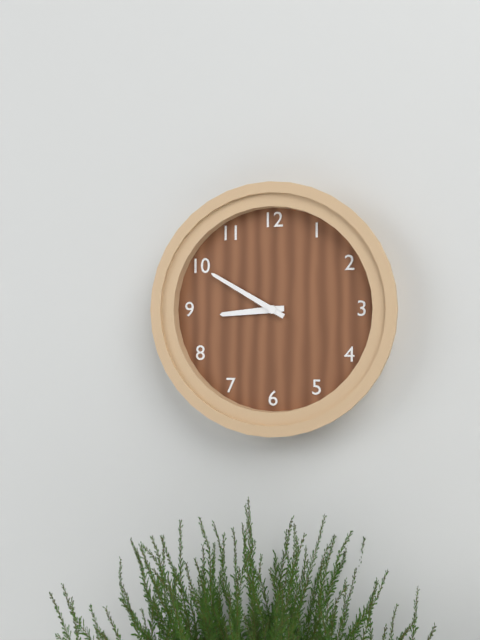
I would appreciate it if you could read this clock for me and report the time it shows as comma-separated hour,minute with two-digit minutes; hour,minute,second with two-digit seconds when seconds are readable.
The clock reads 8,50
